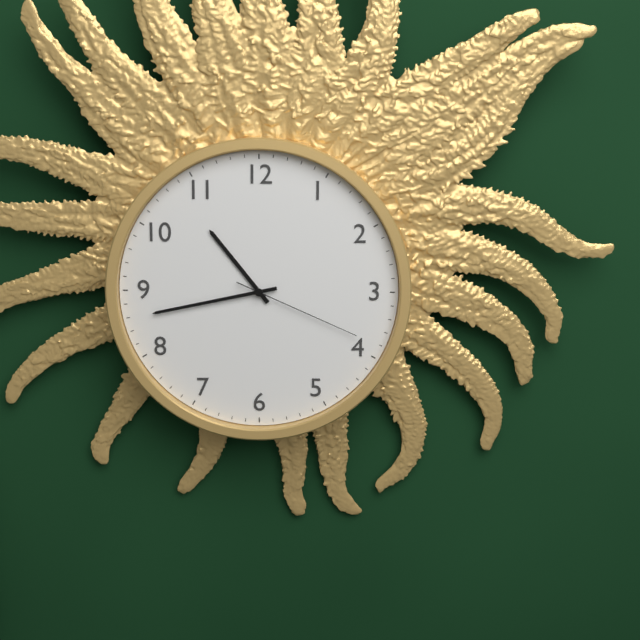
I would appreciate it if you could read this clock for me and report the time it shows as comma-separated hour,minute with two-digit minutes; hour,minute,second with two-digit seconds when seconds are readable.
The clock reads 10,43,19
